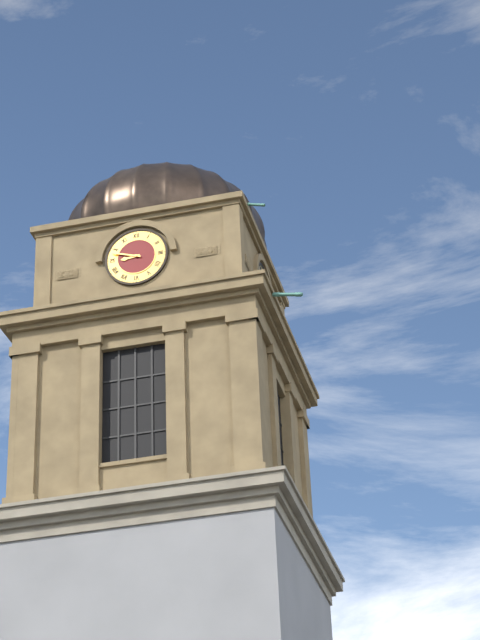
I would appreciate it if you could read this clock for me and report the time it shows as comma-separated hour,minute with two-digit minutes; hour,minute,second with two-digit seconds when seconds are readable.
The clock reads 8,48
